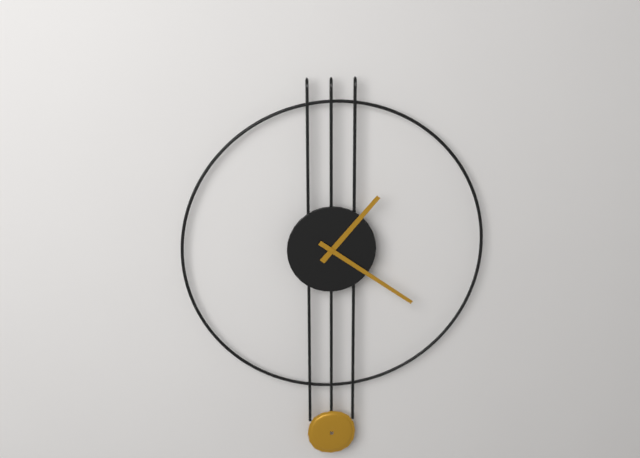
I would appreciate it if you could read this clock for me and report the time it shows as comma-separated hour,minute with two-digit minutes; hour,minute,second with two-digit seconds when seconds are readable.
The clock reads 1,21
